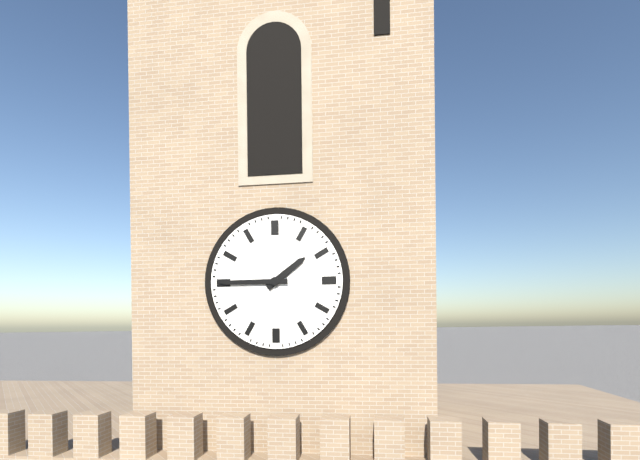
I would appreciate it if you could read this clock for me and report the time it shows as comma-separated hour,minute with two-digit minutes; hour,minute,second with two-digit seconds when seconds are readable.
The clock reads 1,45
